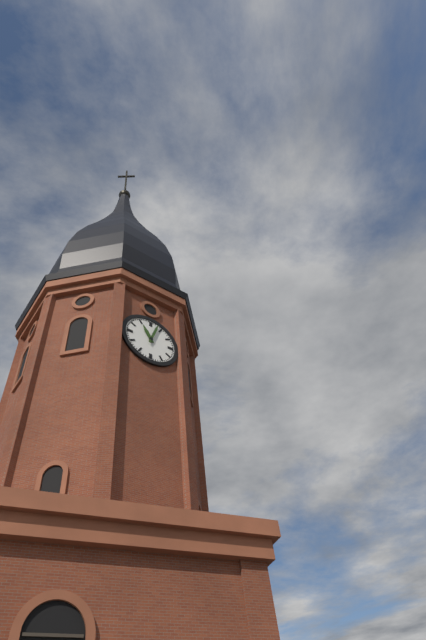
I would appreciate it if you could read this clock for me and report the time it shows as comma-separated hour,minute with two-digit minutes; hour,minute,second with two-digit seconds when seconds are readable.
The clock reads 11,03
